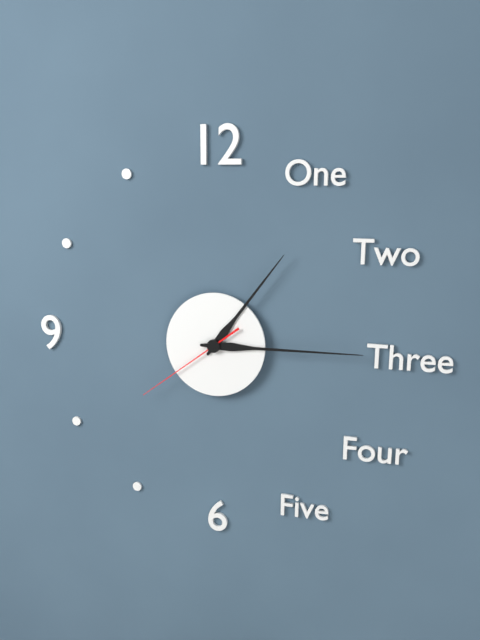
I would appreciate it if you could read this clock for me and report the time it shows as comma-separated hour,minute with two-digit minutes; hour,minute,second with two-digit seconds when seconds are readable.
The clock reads 1,15,39
